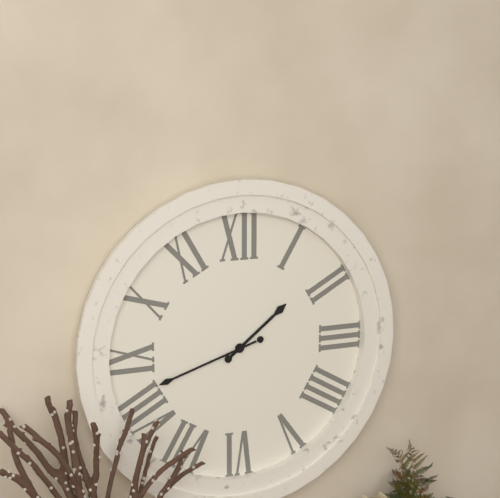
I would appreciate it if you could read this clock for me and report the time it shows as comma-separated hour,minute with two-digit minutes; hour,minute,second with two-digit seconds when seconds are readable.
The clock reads 1,42
